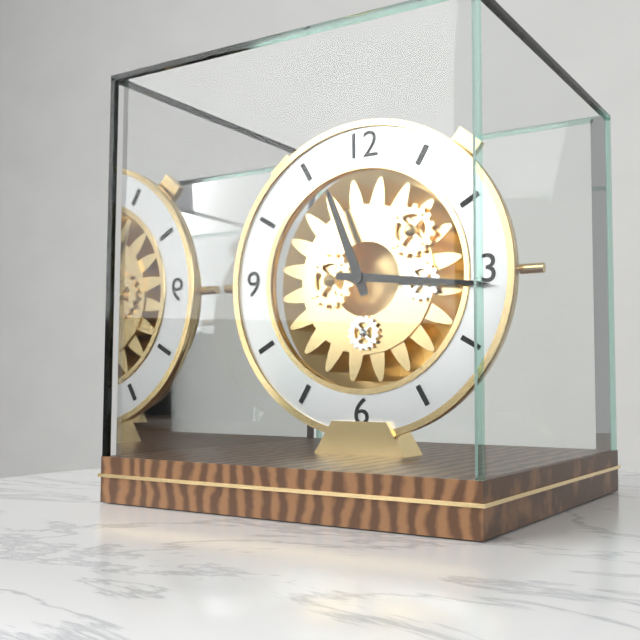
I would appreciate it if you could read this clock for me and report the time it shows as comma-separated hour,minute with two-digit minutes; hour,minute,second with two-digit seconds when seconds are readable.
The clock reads 11,16
